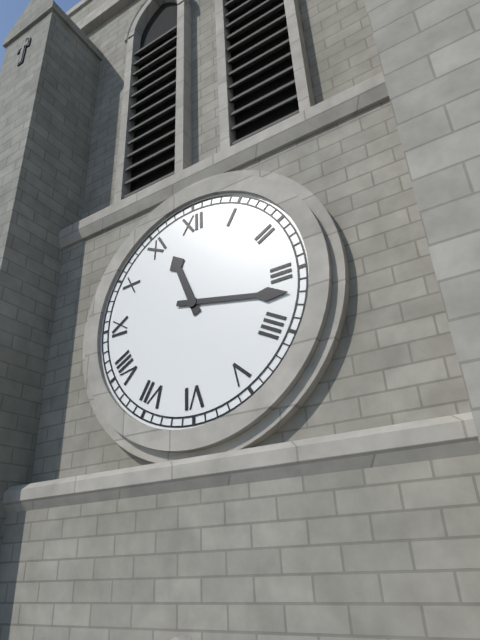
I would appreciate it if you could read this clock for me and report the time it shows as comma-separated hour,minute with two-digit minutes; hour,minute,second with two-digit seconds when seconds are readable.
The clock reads 11,17
